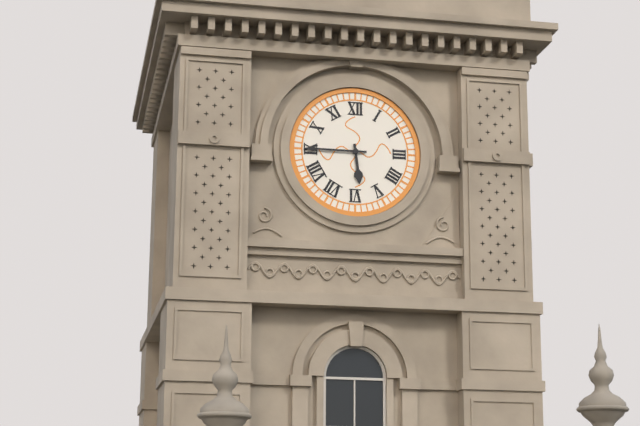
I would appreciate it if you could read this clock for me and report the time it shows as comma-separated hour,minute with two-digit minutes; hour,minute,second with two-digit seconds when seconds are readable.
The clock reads 5,45
